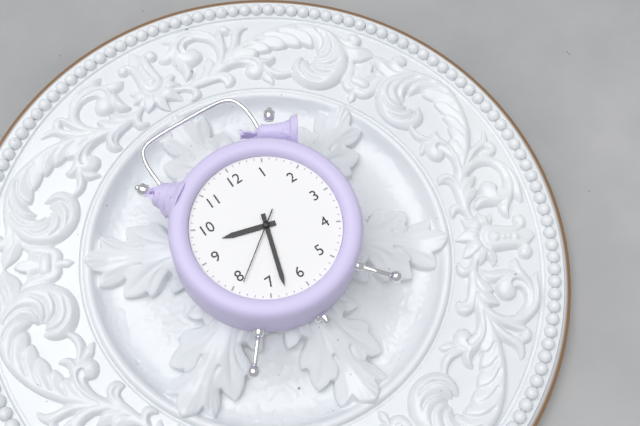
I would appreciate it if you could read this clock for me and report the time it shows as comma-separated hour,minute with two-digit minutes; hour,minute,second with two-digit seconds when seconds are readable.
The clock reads 9,33,39
